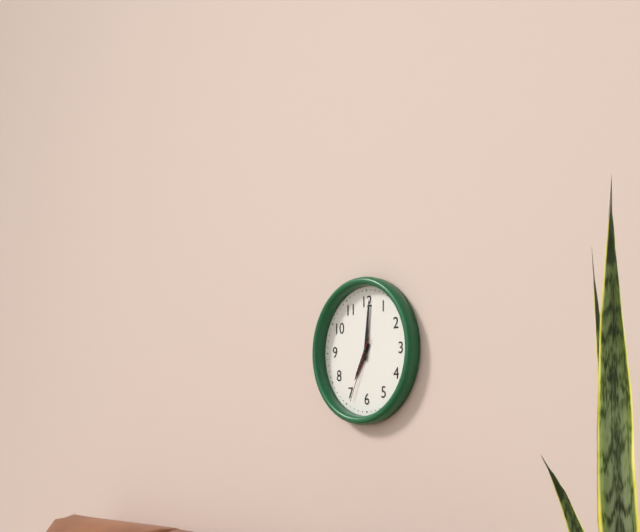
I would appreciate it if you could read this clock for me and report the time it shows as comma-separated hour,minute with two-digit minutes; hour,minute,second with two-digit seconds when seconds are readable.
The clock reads 7,01,34
